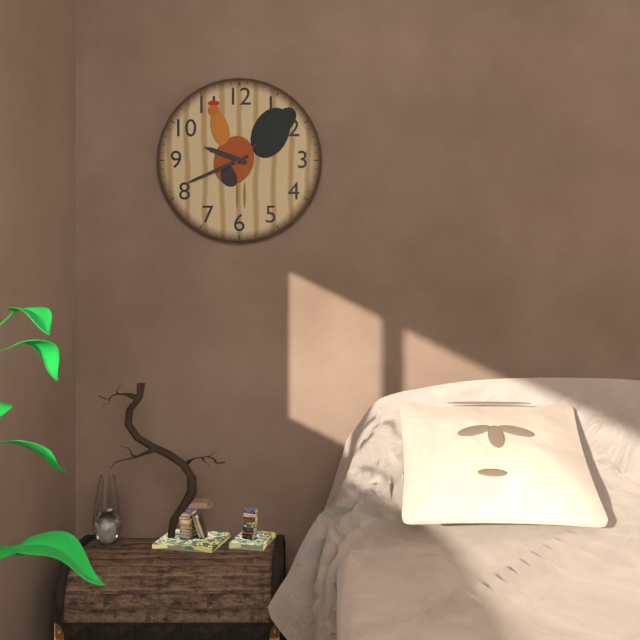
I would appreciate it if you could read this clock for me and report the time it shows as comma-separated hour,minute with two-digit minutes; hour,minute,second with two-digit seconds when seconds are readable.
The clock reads 9,41
